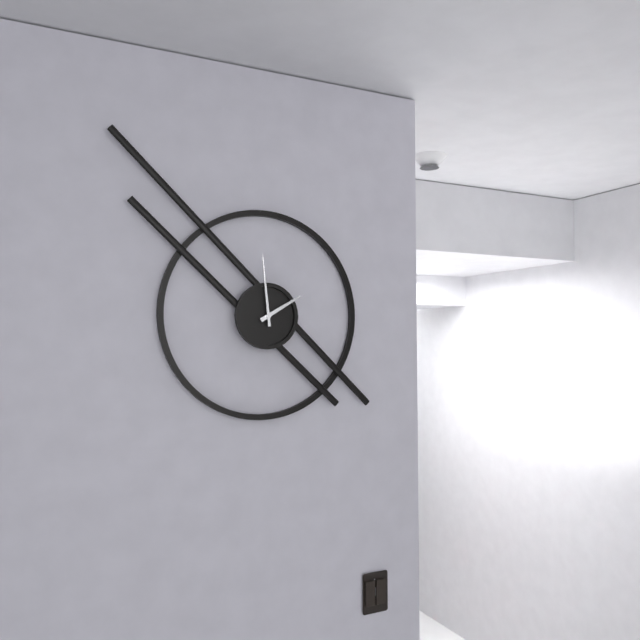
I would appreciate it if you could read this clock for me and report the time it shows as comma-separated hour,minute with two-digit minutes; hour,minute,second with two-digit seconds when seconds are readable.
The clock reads 1,59
